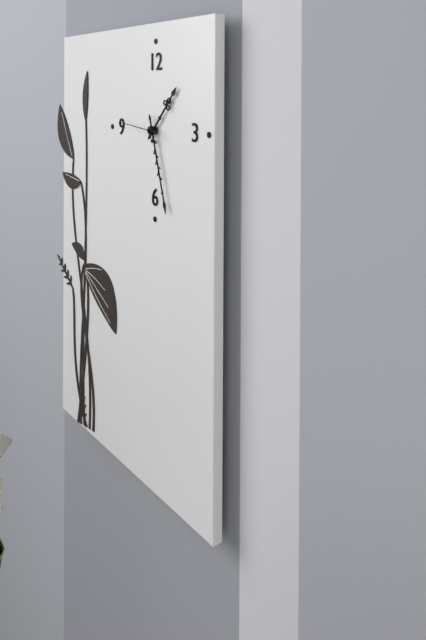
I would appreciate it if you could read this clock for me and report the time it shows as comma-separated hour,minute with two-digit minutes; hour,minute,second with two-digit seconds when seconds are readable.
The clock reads 1,27
